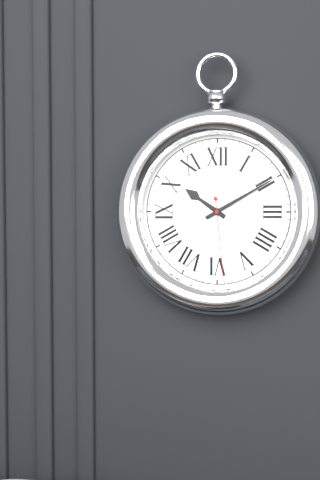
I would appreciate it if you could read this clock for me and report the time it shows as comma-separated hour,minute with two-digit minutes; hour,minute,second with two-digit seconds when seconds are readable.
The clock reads 10,10,29
